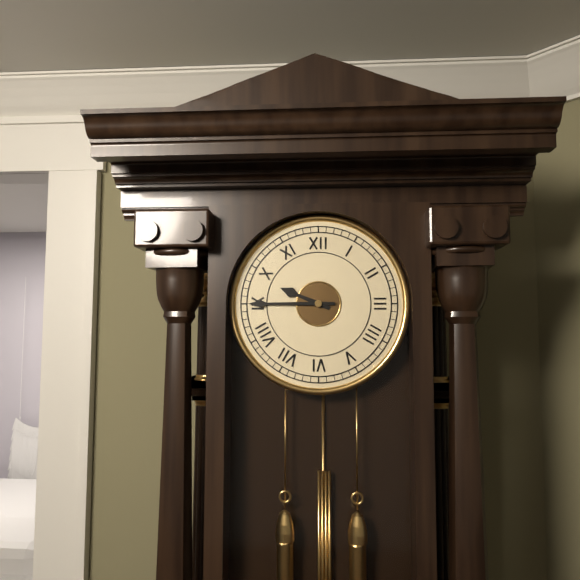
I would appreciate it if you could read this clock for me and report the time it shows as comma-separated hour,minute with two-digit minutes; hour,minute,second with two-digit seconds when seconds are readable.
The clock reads 9,45
